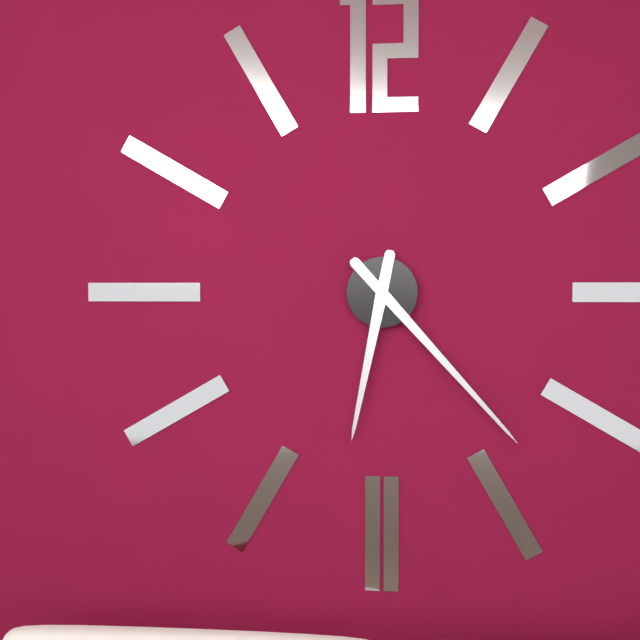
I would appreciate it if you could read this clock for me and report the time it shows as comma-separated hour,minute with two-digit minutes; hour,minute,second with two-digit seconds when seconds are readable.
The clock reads 6,23
